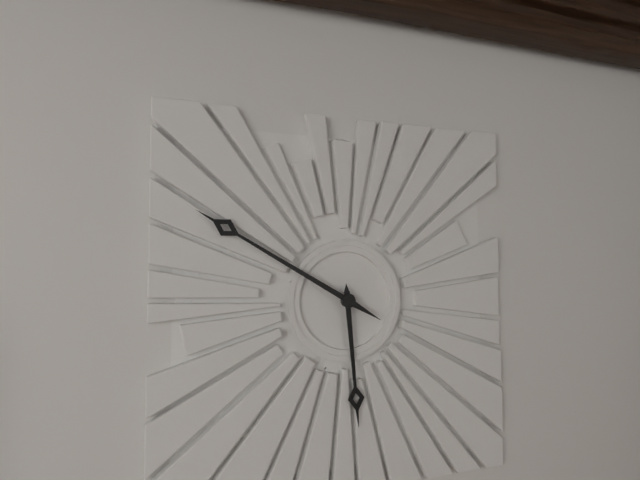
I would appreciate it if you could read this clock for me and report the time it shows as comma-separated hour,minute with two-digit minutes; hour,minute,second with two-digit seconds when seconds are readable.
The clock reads 5,50
